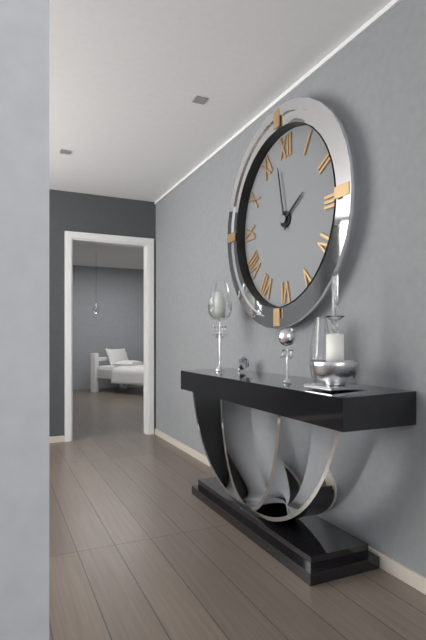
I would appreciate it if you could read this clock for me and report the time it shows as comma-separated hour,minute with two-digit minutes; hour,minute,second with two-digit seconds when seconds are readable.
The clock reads 1,58
